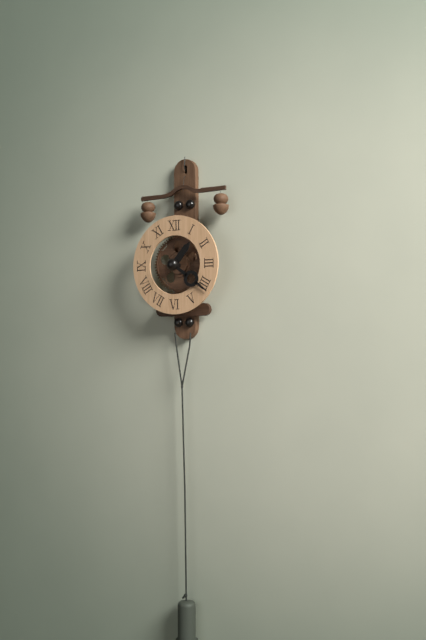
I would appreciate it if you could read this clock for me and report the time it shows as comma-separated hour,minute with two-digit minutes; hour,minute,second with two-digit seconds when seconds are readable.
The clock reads 1,21
